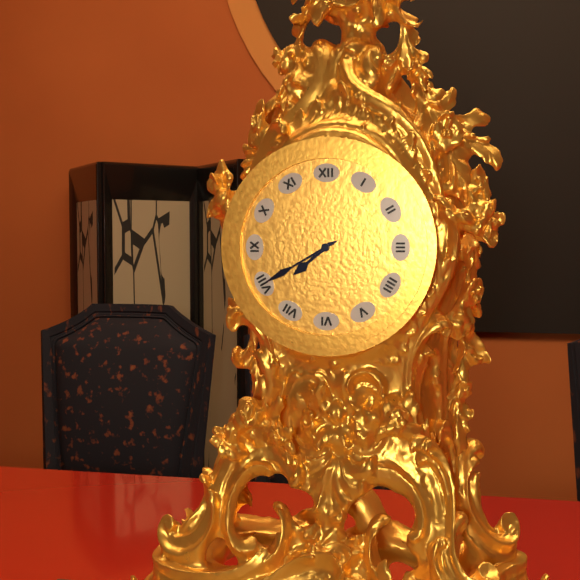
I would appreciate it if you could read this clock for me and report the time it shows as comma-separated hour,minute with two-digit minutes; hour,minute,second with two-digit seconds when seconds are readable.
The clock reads 7,40
